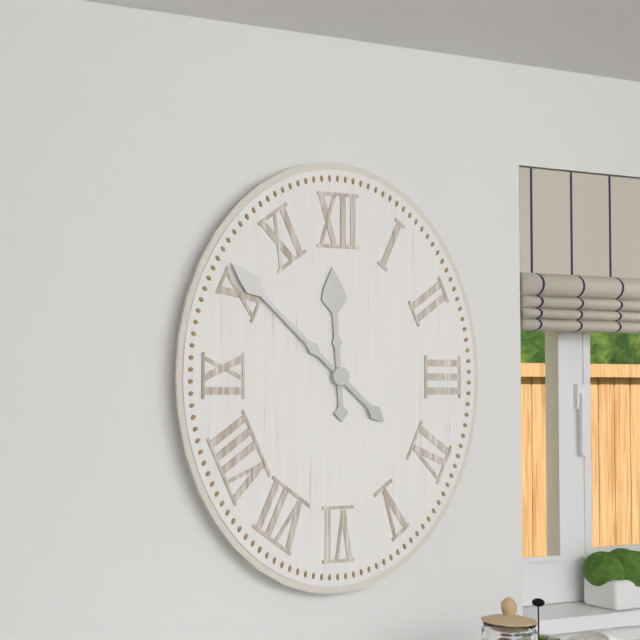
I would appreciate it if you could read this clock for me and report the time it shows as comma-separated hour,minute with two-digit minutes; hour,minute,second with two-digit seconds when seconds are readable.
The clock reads 11,52
